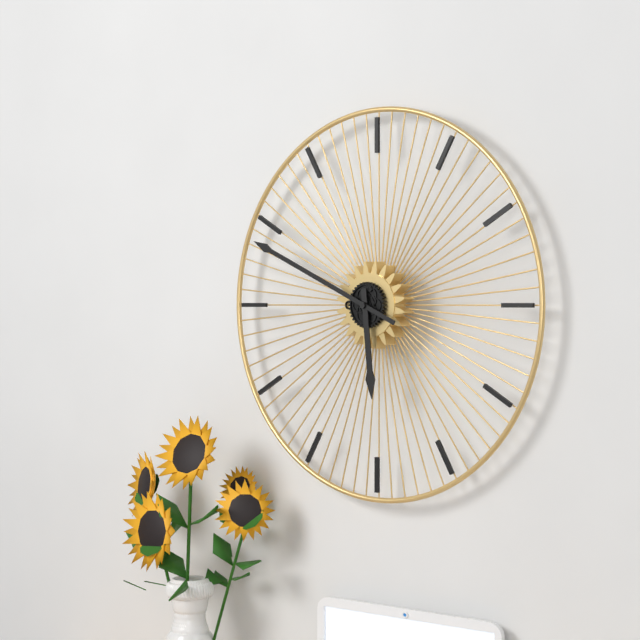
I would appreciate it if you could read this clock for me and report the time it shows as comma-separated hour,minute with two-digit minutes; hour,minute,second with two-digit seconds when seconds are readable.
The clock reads 5,49
